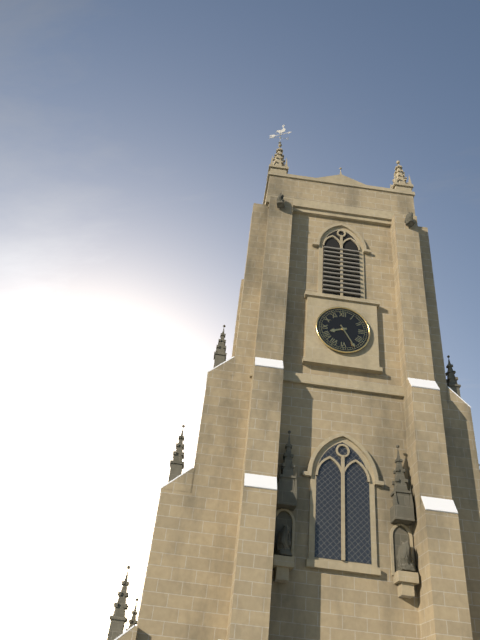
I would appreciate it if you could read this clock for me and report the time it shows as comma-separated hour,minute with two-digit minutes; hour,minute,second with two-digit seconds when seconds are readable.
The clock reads 8,25
